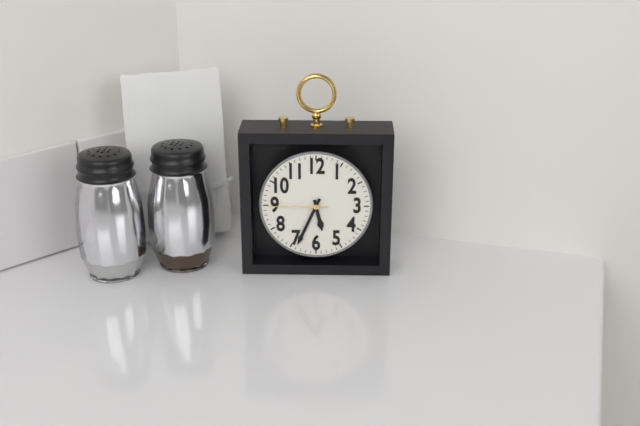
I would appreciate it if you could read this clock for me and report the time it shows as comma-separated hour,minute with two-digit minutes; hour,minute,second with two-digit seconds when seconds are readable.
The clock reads 5,34,45
